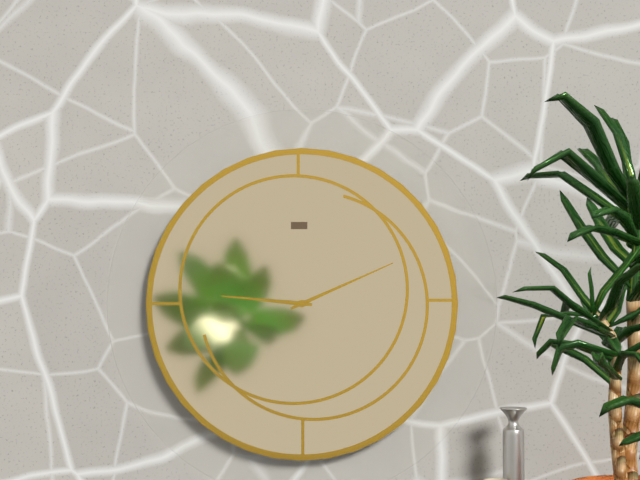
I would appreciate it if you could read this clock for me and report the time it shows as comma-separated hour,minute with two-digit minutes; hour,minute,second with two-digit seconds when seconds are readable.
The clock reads 9,11
